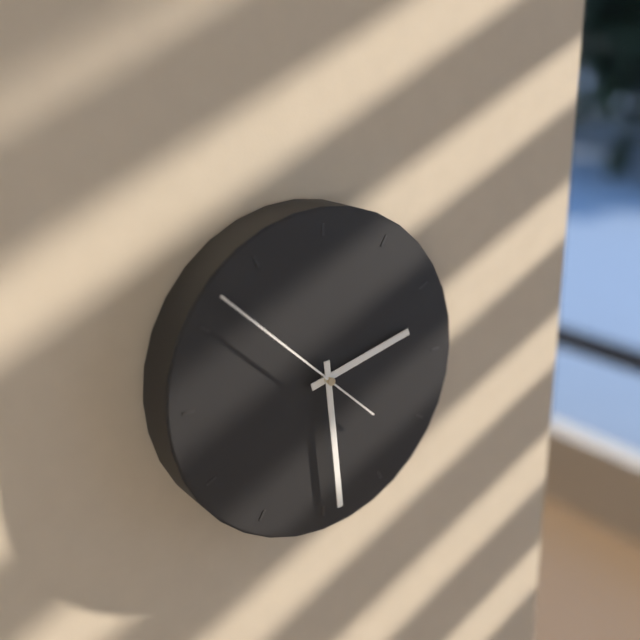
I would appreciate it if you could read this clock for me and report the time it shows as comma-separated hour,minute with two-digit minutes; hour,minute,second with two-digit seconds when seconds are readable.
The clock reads 2,29,52
